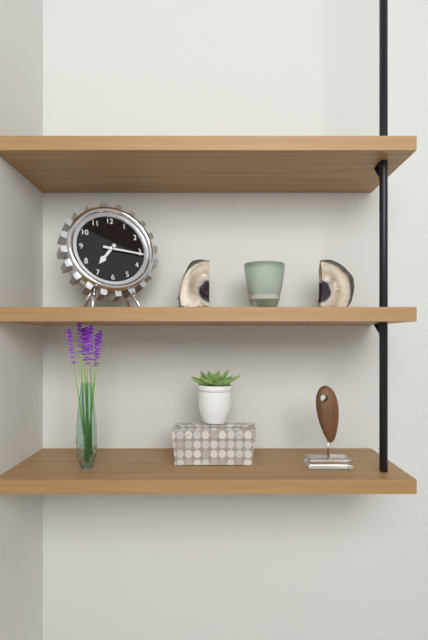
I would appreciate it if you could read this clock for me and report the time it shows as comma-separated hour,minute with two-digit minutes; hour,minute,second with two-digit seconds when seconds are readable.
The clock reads 7,16
